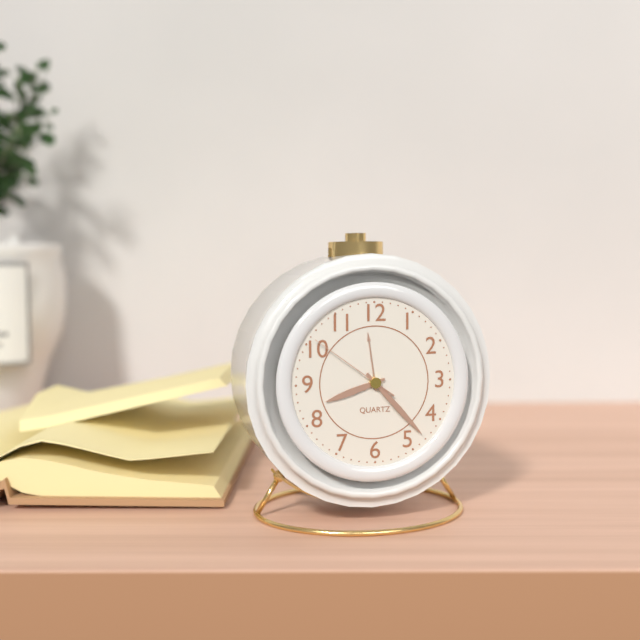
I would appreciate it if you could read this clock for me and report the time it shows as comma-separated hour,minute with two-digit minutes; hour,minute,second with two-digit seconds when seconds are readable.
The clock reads 8,23,51
